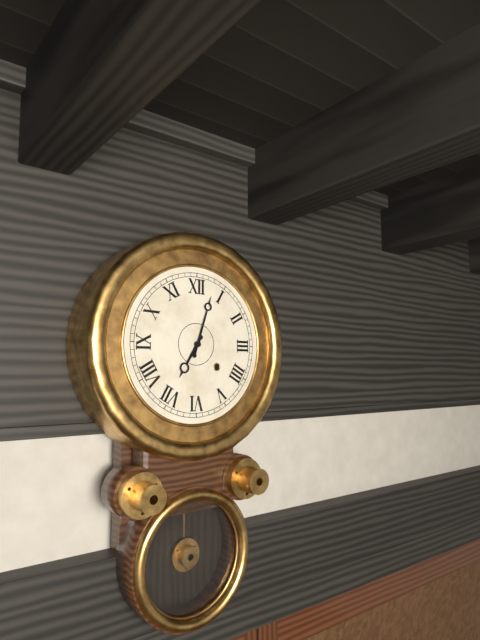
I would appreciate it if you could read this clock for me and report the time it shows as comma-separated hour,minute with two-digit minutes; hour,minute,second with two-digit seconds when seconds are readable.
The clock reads 7,03
